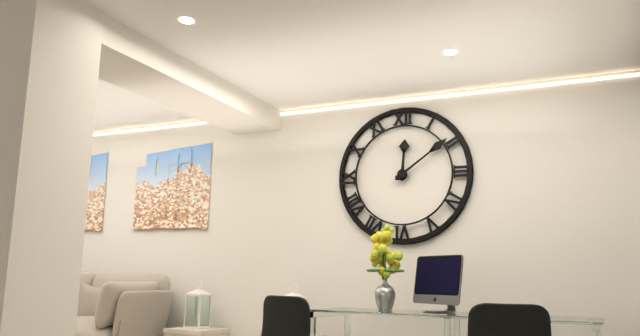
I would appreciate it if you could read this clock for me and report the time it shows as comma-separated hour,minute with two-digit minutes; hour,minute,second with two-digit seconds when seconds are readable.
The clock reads 12,09
